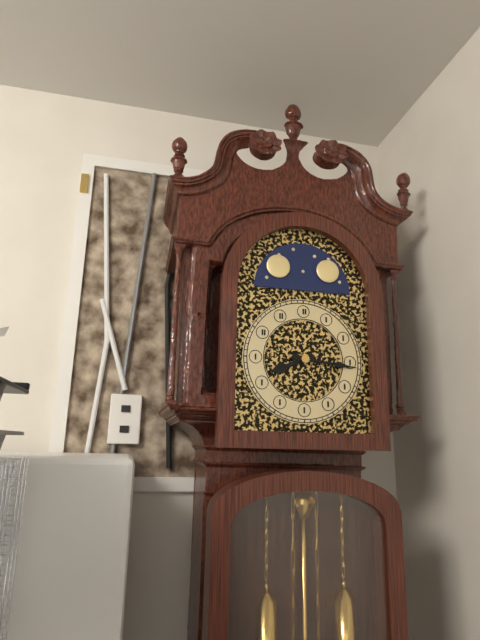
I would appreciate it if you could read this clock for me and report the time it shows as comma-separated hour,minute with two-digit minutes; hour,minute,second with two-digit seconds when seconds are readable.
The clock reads 8,16
